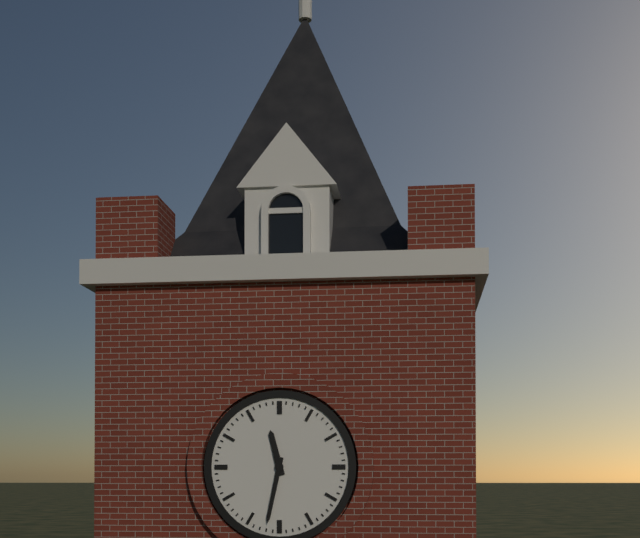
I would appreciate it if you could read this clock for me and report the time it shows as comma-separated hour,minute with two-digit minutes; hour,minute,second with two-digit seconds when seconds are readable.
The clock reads 11,32
